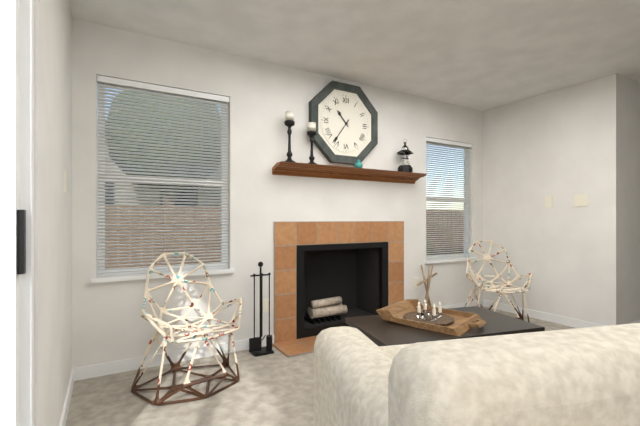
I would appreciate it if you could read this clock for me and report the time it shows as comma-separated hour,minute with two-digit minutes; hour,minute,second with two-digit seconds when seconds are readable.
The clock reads 10,36
